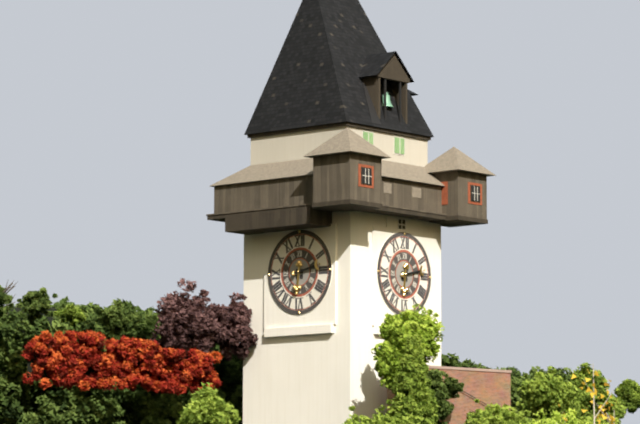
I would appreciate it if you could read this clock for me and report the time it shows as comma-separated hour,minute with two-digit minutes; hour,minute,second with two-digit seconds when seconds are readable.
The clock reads 6,13
